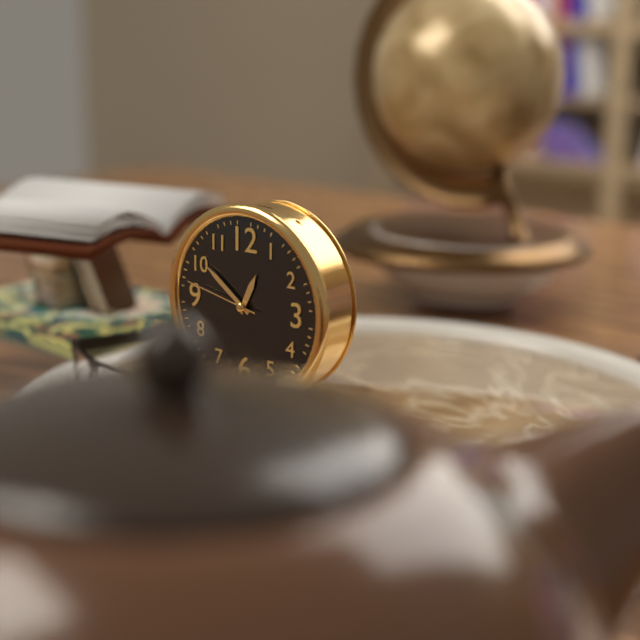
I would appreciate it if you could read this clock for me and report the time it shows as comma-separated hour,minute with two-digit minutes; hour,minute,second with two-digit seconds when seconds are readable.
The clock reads 12,51,47
